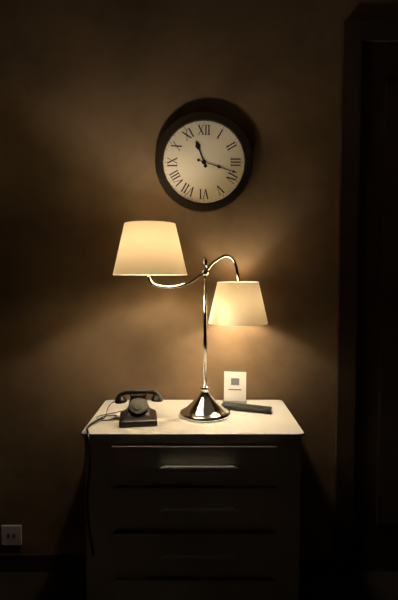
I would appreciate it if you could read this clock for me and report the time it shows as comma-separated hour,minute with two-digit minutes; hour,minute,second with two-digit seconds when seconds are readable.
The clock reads 11,18
